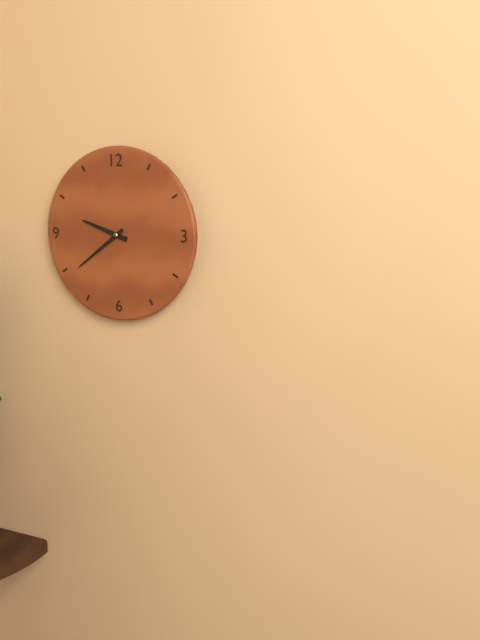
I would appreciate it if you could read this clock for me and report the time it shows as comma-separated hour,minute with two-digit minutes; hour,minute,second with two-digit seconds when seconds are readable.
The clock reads 9,39
